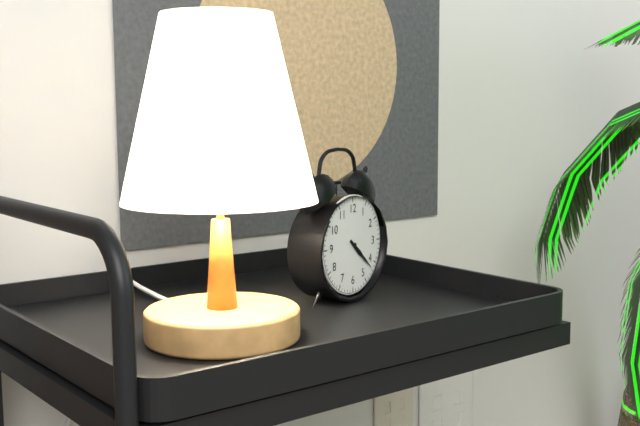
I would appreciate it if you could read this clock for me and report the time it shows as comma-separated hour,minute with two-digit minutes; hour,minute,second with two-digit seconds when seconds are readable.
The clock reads 4,22
